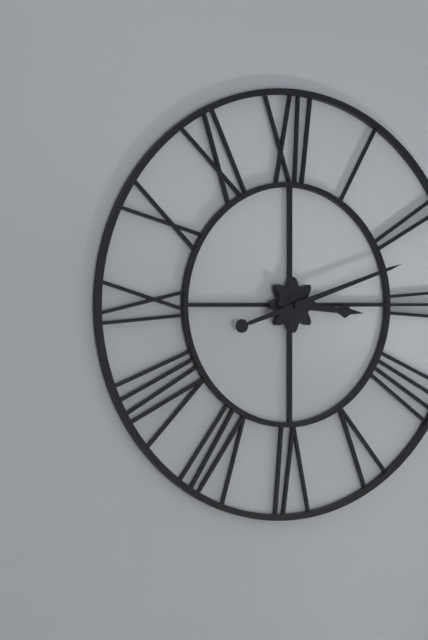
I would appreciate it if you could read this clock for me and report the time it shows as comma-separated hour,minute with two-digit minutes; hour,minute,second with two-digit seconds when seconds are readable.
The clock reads 3,12
